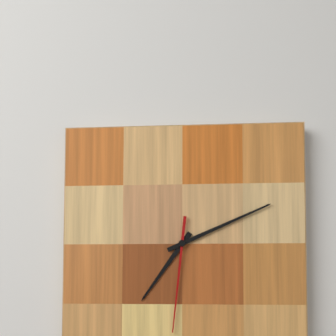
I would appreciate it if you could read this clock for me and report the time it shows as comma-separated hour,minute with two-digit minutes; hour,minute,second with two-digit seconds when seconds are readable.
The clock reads 7,11,31
